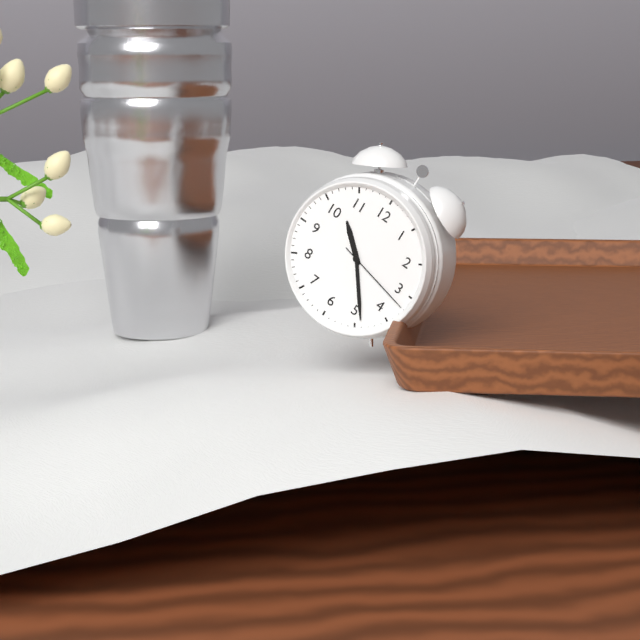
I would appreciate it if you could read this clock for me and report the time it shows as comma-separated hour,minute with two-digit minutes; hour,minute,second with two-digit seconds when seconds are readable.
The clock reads 10,24,17
